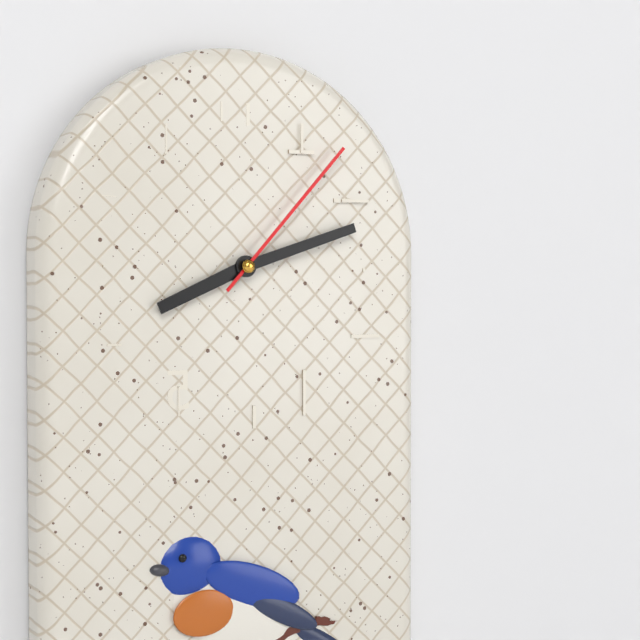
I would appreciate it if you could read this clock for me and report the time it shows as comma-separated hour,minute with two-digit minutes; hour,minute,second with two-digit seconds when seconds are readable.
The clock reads 8,12,07
